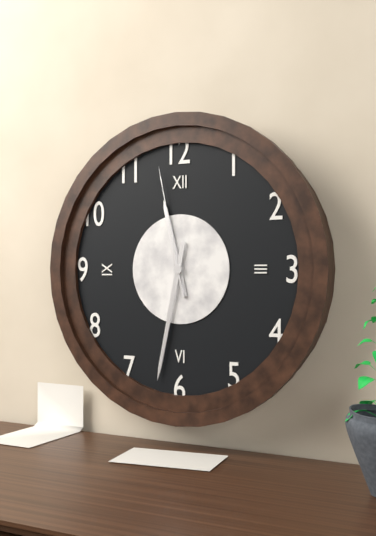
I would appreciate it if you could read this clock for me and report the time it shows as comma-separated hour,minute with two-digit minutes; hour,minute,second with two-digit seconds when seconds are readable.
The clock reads 11,32,58
